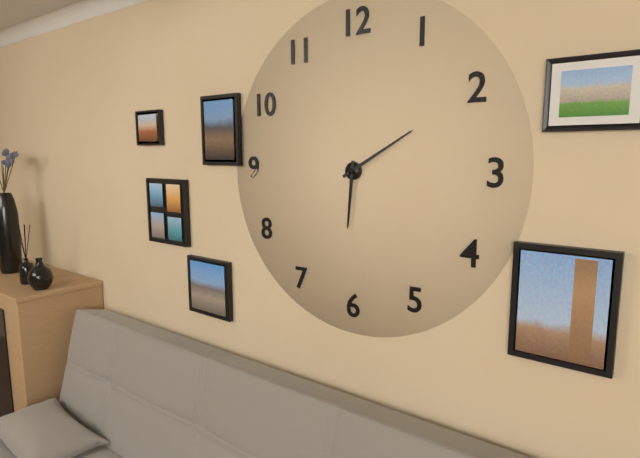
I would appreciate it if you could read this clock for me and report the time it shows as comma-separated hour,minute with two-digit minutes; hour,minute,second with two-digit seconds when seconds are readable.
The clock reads 6,10
